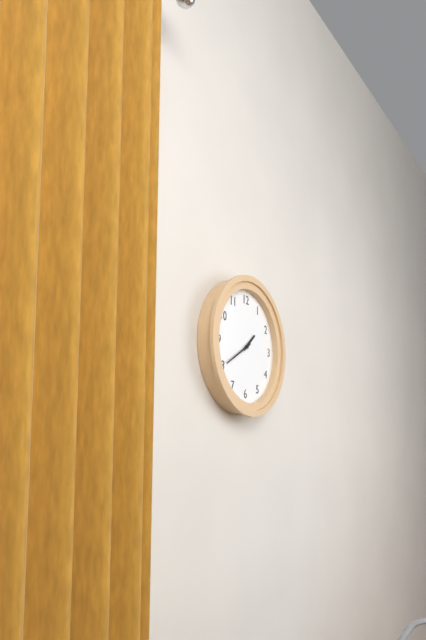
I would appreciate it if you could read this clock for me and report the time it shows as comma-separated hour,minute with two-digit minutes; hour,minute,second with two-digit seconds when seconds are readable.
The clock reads 1,40
